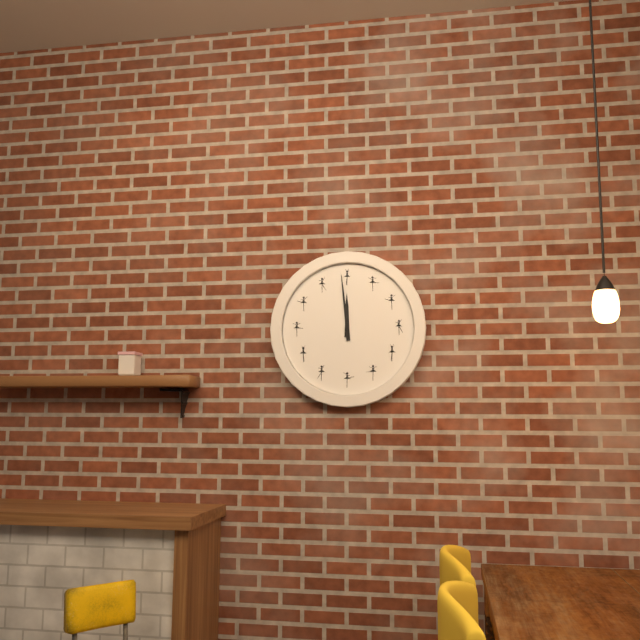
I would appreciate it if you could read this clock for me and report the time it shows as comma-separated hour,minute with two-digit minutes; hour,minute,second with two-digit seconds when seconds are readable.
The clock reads 11,59
